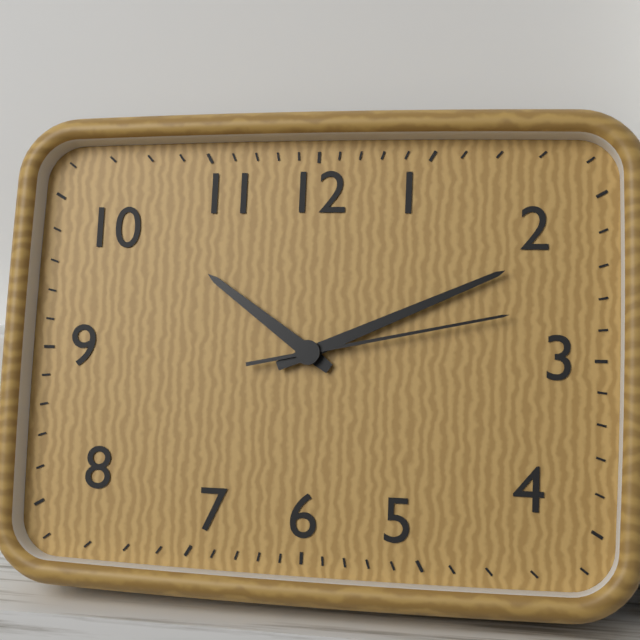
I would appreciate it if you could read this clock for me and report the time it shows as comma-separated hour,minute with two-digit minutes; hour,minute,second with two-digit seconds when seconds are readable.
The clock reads 10,11,13
